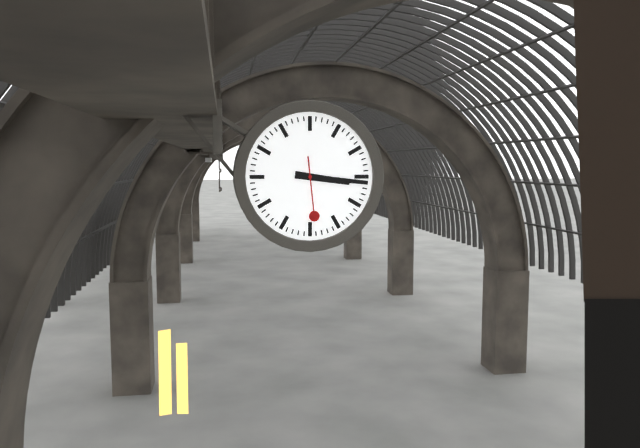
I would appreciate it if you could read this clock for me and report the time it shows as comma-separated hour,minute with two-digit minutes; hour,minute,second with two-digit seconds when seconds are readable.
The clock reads 3,16,29
